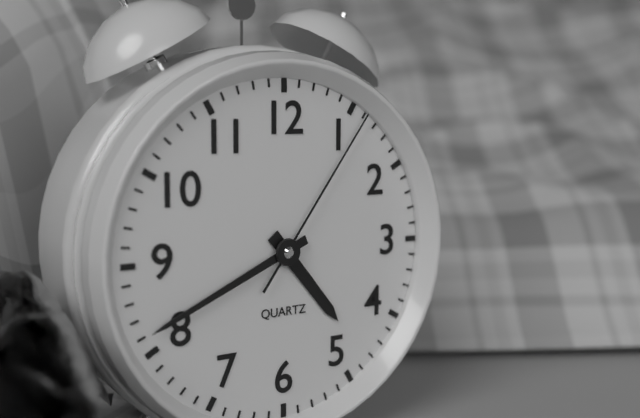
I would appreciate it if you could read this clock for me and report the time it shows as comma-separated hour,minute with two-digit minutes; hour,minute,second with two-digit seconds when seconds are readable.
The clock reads 4,41,06
